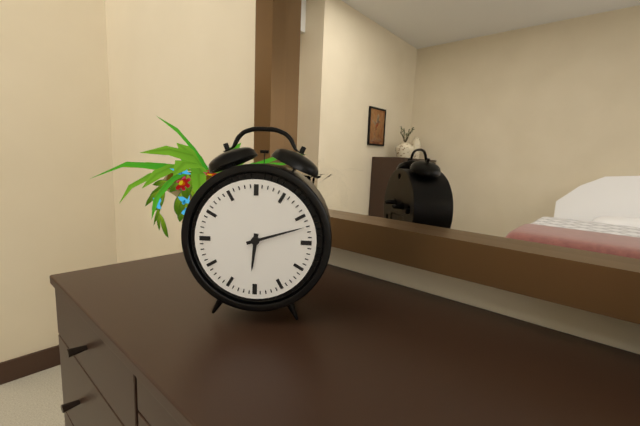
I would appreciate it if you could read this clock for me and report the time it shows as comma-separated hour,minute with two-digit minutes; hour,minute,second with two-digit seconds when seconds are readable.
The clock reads 6,12
